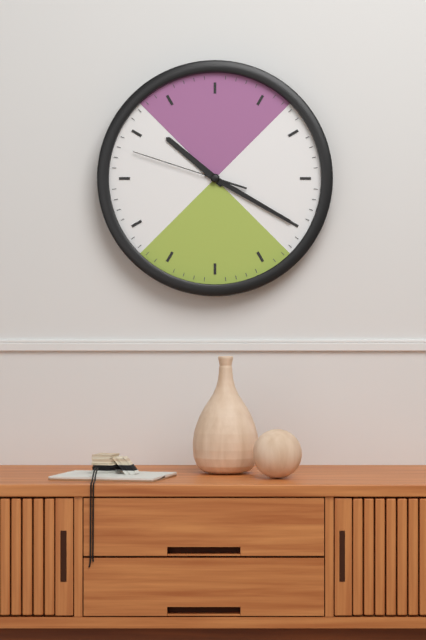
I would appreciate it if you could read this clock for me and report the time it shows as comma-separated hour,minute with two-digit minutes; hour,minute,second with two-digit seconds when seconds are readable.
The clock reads 10,20,48
